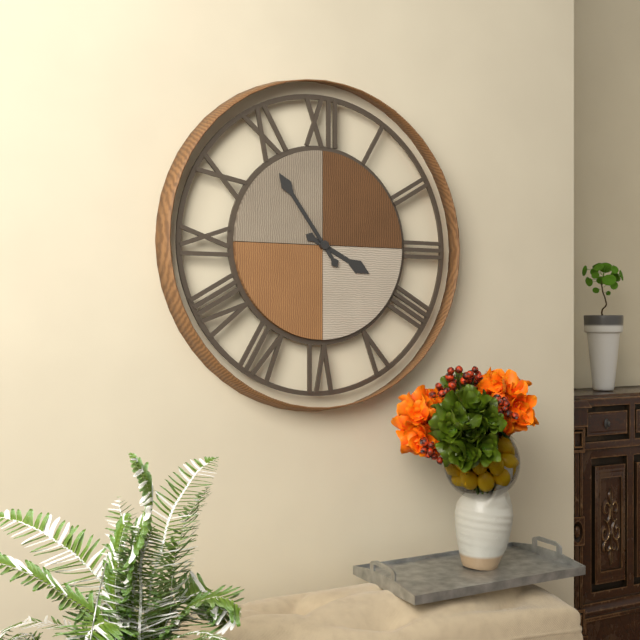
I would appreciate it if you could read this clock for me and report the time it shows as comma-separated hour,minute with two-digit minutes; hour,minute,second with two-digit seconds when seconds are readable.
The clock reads 3,54
